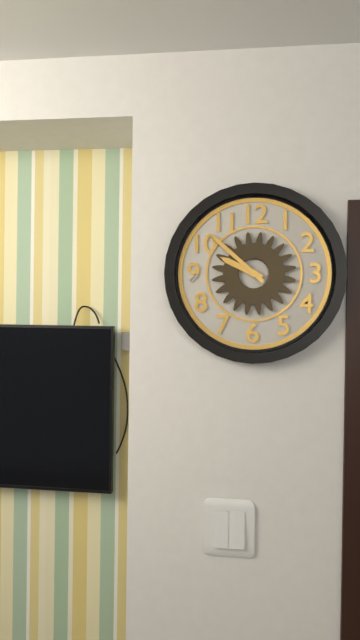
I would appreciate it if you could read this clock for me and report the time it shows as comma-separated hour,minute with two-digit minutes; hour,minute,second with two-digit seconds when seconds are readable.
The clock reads 9,52
